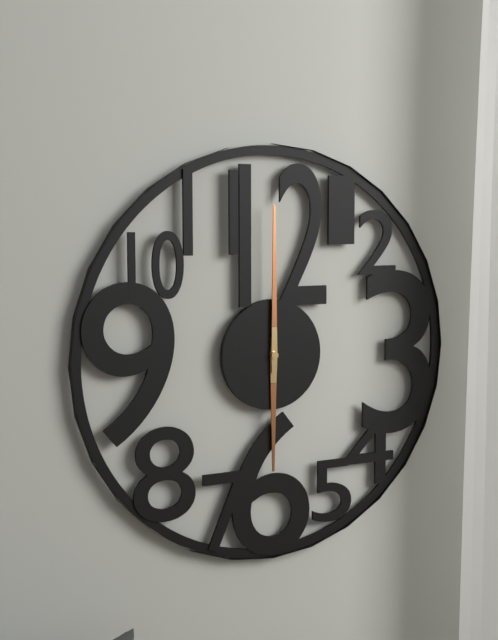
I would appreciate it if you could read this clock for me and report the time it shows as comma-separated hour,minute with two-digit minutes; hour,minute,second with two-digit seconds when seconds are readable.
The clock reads 6,00
